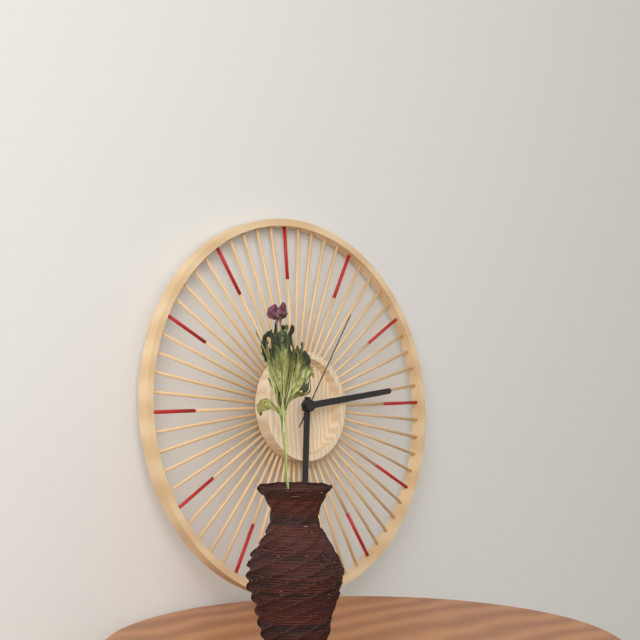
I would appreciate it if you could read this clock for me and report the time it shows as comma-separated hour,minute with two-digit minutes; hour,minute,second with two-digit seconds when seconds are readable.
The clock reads 6,14,06
